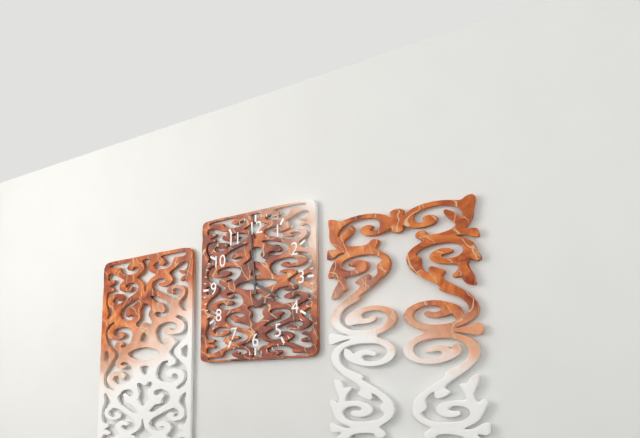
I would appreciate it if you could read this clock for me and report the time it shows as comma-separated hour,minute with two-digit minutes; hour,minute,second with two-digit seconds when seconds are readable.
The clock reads 3,59
